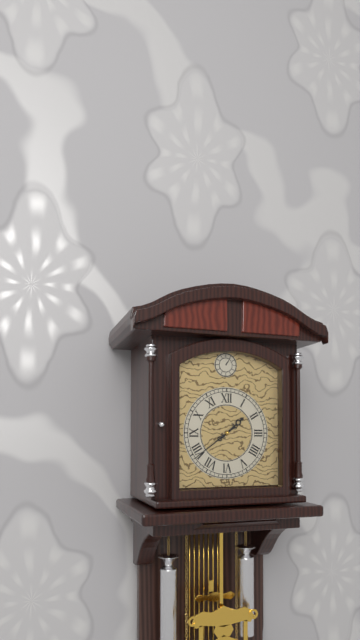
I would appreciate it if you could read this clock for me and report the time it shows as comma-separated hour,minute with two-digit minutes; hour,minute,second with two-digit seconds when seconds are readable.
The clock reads 1,39
